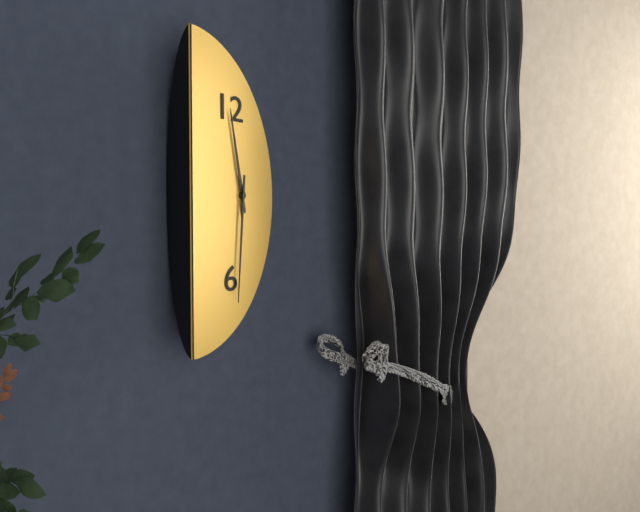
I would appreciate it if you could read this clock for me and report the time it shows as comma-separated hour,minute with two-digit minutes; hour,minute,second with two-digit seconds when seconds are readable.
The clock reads 11,31
